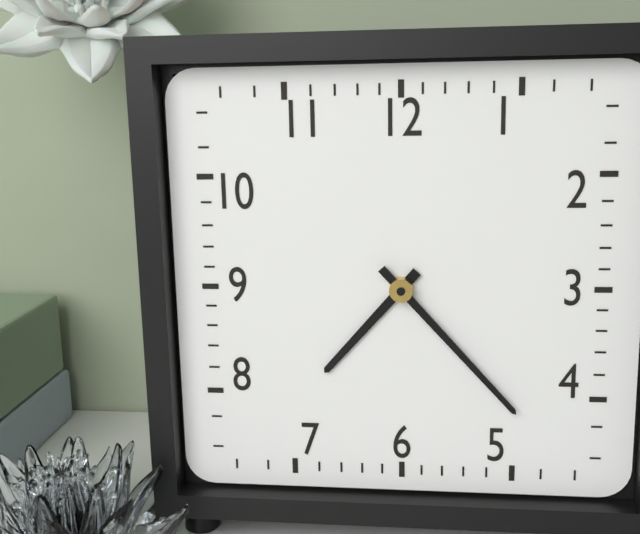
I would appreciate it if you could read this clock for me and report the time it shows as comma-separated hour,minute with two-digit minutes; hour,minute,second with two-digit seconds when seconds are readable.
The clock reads 7,23
